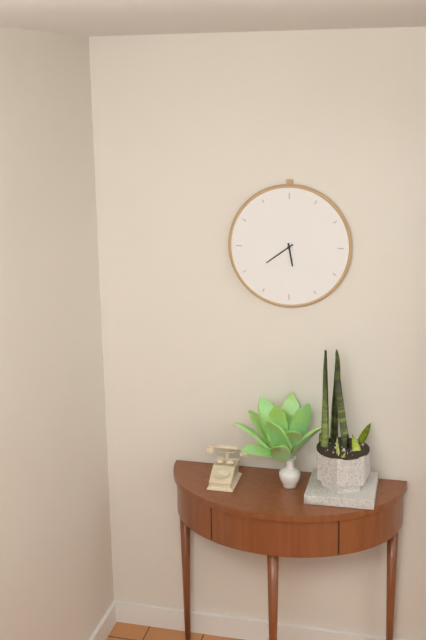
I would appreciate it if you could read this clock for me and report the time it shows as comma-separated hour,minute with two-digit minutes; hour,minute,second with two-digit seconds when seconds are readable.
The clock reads 5,39
